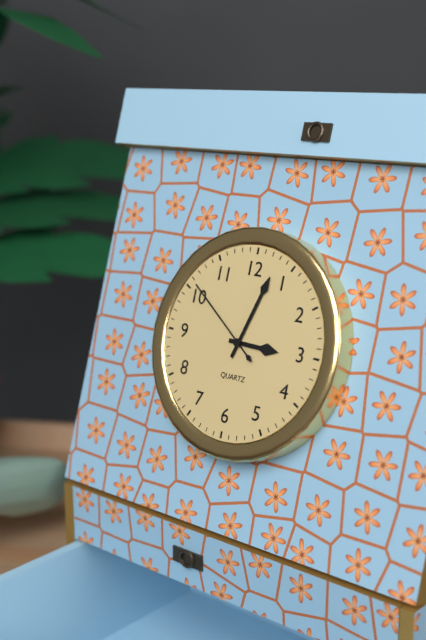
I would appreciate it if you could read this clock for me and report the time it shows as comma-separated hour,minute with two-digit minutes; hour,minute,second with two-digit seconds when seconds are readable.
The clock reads 3,03,51
